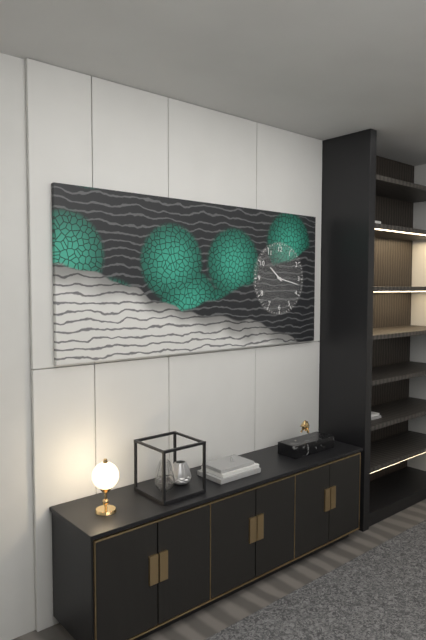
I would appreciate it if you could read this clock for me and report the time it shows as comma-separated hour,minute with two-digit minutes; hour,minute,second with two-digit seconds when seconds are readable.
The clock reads 10,17
